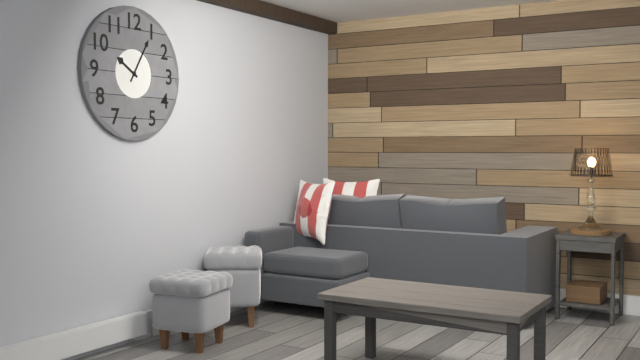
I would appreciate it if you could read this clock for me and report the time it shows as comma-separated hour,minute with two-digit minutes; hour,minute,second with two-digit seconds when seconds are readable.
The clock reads 10,05
